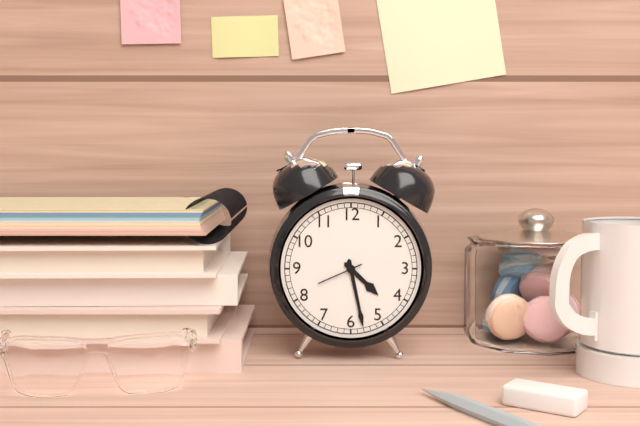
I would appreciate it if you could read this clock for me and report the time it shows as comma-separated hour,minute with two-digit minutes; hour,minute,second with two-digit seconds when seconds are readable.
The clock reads 4,28
